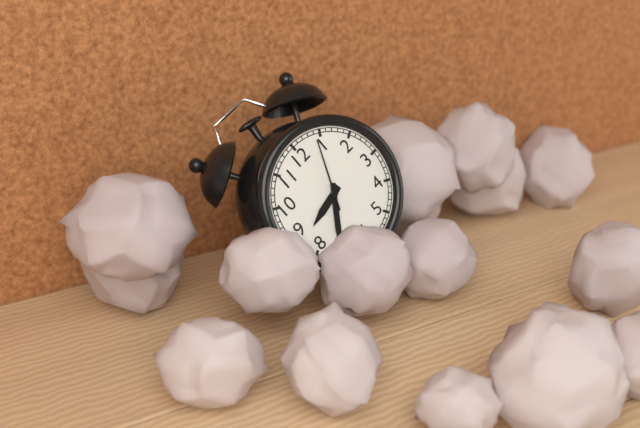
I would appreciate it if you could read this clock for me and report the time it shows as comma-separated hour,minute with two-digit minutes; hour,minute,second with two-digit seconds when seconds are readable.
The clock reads 8,36,04
